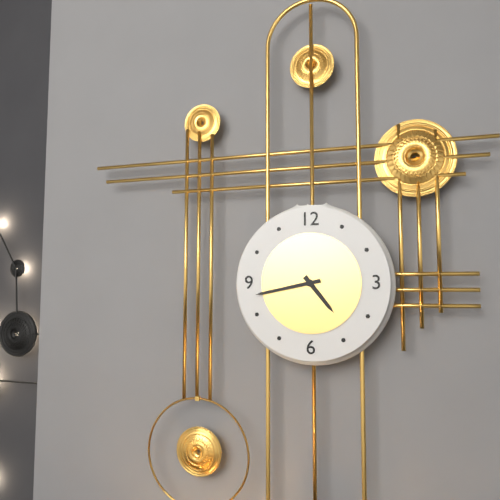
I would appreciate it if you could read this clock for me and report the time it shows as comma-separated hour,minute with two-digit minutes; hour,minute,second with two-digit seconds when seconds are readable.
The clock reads 4,43
